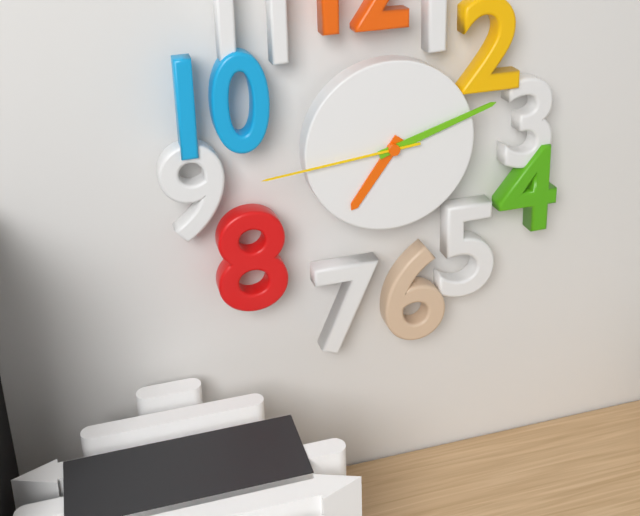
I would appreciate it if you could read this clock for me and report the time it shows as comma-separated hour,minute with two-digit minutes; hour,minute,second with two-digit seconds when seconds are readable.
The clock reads 7,12,44
